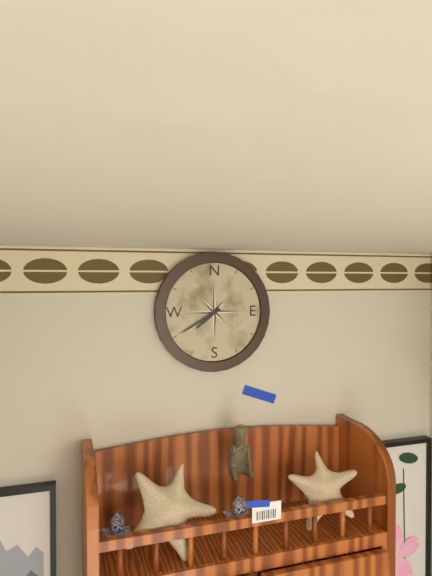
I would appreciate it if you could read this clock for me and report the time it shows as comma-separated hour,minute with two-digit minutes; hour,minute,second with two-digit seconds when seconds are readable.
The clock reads 7,40
